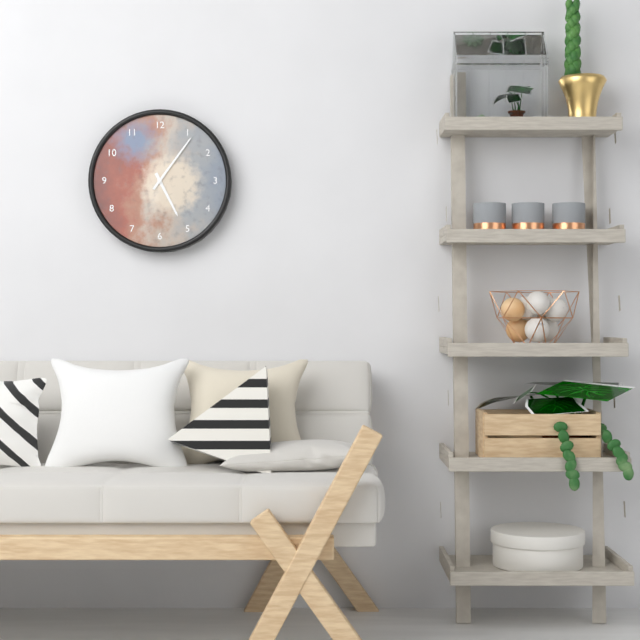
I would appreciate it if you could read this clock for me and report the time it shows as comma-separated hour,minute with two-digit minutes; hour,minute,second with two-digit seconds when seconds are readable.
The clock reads 5,06
